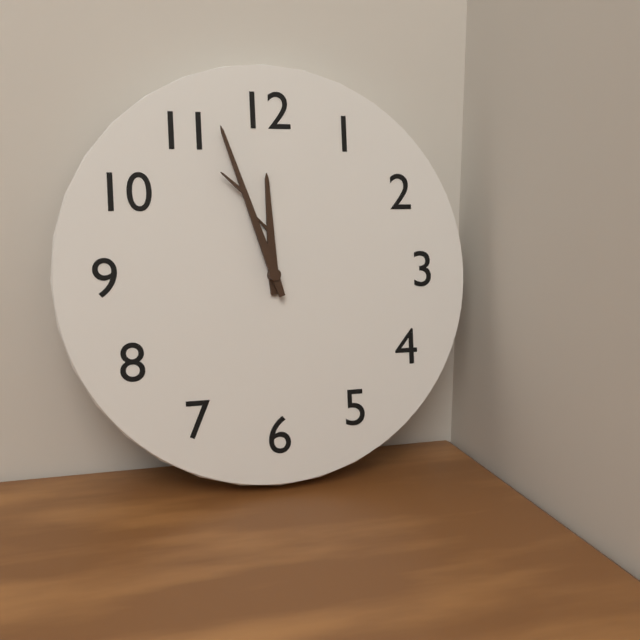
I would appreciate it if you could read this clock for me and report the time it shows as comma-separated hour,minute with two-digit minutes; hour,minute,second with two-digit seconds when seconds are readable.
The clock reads 11,57
